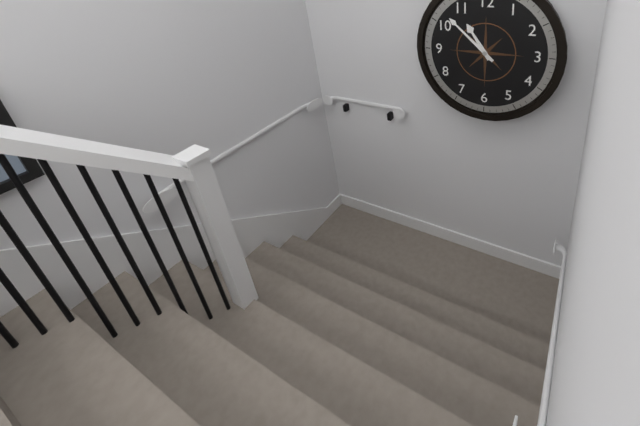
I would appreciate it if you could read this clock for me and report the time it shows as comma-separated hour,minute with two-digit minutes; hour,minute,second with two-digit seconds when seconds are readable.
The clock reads 10,52
